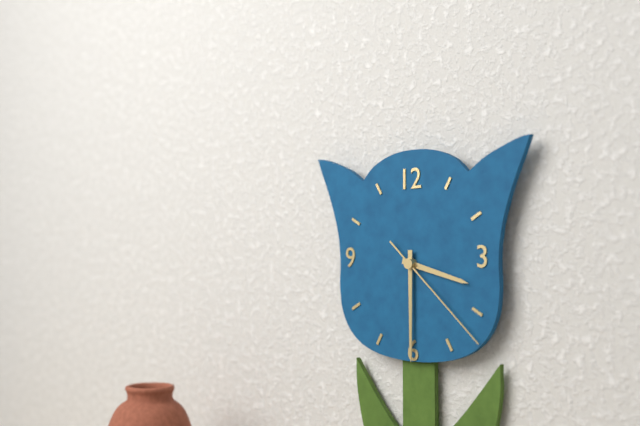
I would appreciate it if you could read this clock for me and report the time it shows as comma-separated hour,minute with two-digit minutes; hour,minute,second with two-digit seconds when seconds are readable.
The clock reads 3,30,22
